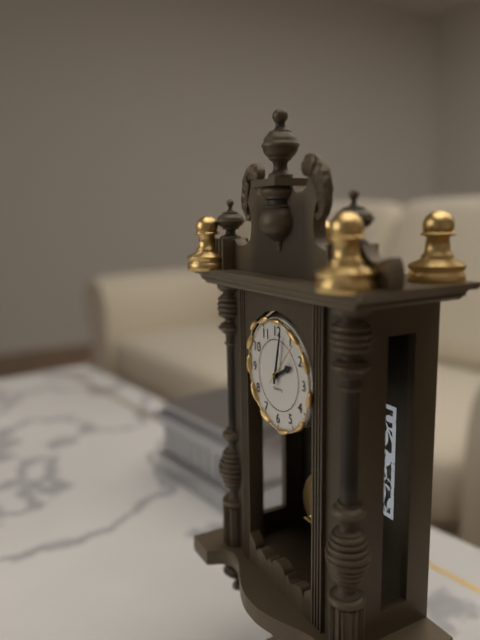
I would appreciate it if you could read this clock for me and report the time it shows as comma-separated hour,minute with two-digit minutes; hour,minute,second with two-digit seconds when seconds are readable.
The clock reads 2,02
